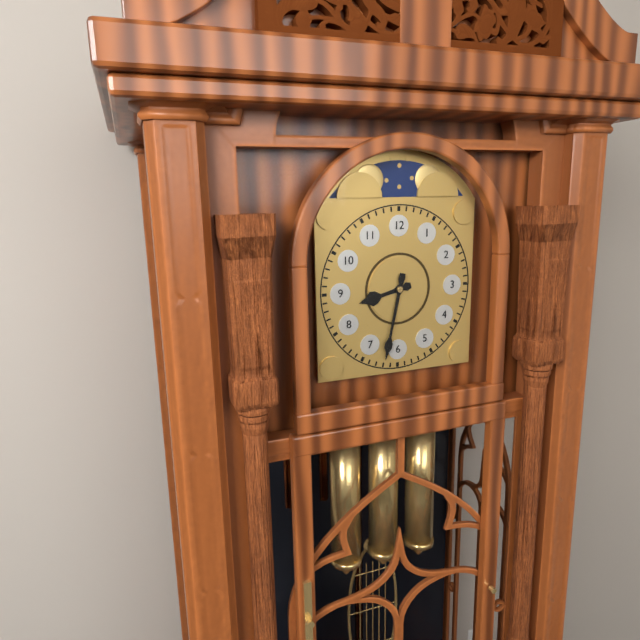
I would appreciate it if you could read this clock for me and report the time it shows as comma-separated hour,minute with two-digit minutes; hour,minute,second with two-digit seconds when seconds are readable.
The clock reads 8,32
